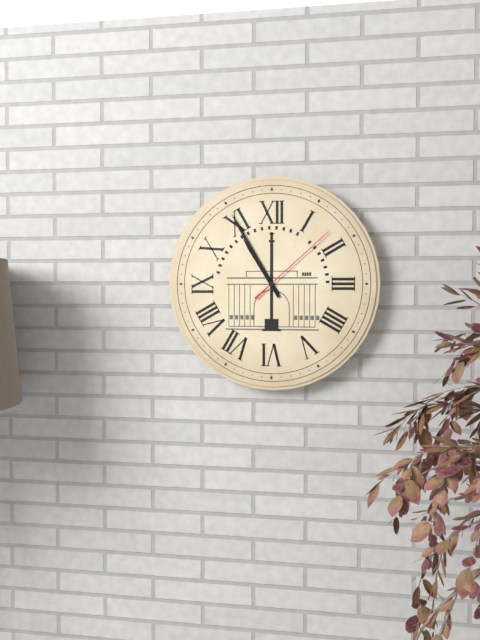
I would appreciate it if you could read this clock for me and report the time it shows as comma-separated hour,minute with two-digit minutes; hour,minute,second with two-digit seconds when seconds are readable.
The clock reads 10,55,08
